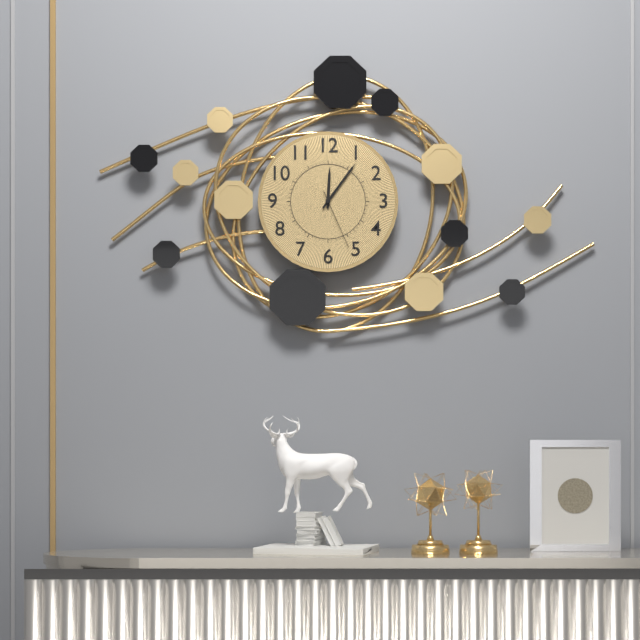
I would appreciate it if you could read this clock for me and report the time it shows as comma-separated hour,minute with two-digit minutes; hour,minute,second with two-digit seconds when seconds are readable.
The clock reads 12,06,26
